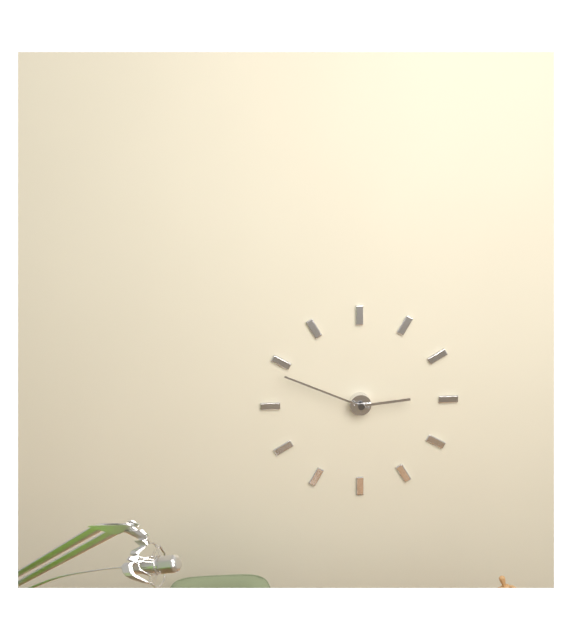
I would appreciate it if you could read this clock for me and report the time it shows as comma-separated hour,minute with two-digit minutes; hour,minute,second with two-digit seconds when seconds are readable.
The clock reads 2,49
